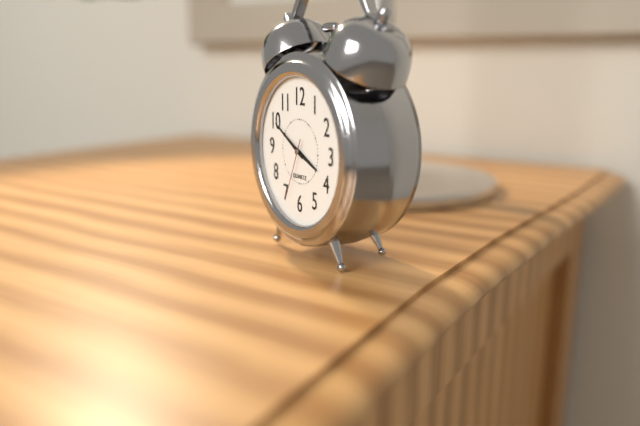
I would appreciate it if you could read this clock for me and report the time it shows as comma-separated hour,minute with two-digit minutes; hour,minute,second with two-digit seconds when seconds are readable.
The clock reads 3,50,34
